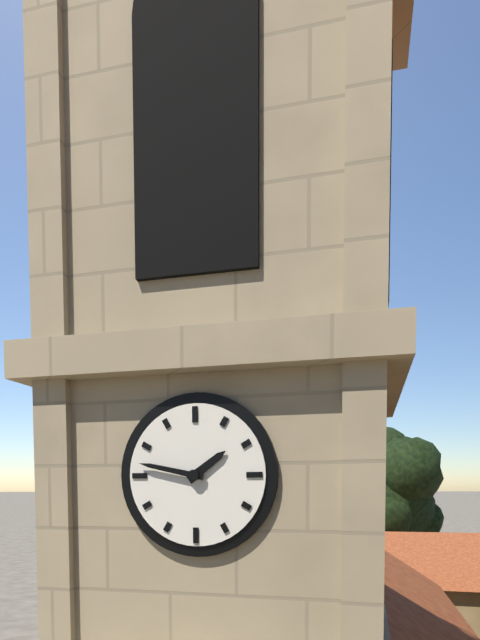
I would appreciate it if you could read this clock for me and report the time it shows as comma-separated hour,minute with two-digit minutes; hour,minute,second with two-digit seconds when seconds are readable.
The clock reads 1,47
